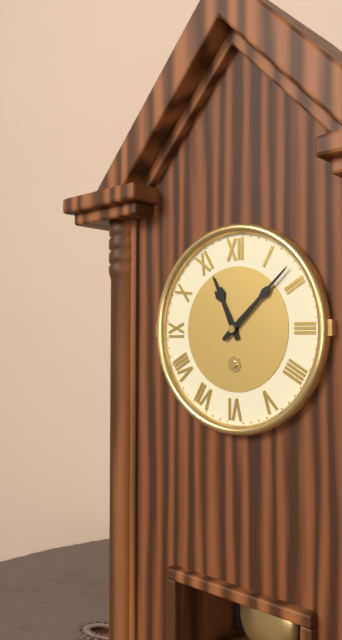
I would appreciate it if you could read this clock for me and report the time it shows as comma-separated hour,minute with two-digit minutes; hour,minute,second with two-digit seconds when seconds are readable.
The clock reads 11,08
